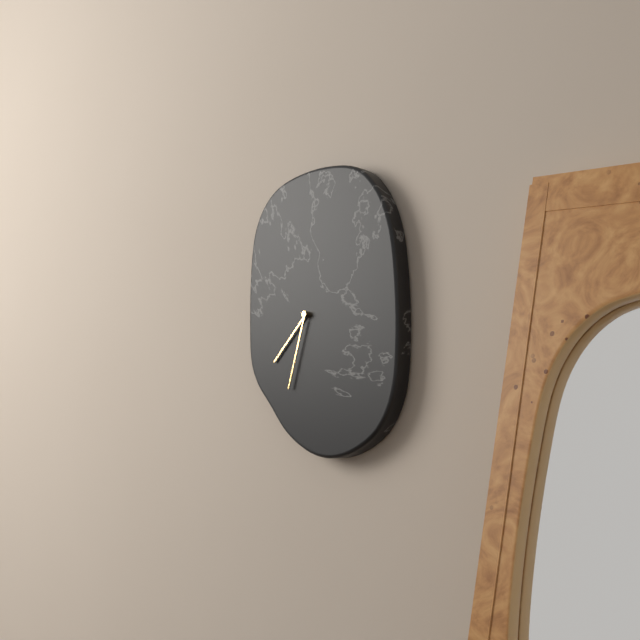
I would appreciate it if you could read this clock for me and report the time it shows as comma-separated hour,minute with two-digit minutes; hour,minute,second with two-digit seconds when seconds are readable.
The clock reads 7,33
